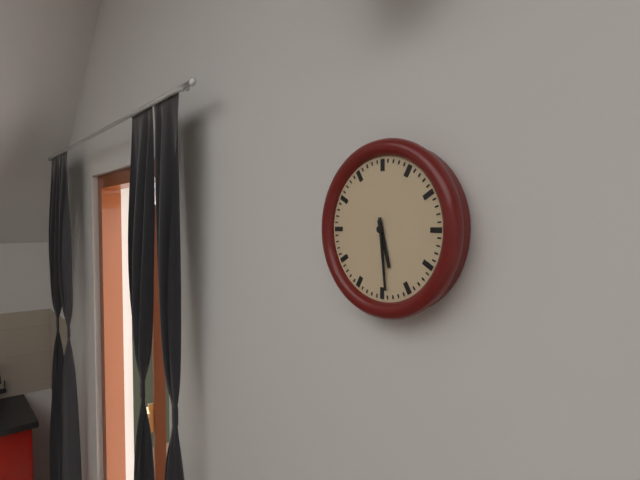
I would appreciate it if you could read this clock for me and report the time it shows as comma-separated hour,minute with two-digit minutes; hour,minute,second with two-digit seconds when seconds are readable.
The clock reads 5,29
